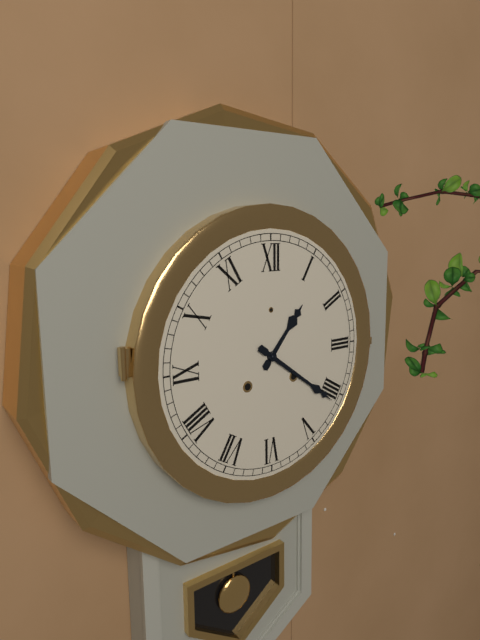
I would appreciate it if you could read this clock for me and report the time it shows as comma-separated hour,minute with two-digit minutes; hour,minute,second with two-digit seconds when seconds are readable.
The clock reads 1,21
